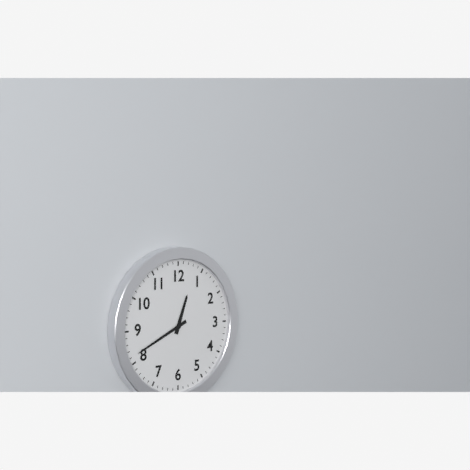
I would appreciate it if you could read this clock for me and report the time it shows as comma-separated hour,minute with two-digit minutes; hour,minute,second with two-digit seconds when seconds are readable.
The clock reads 12,41
